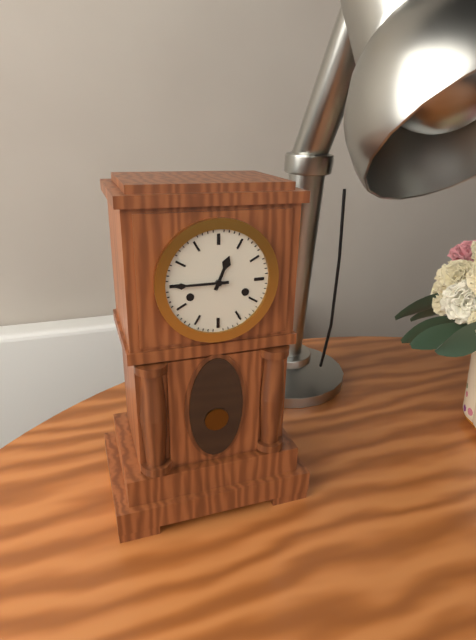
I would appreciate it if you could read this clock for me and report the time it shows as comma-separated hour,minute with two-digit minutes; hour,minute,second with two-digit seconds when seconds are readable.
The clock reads 12,45
